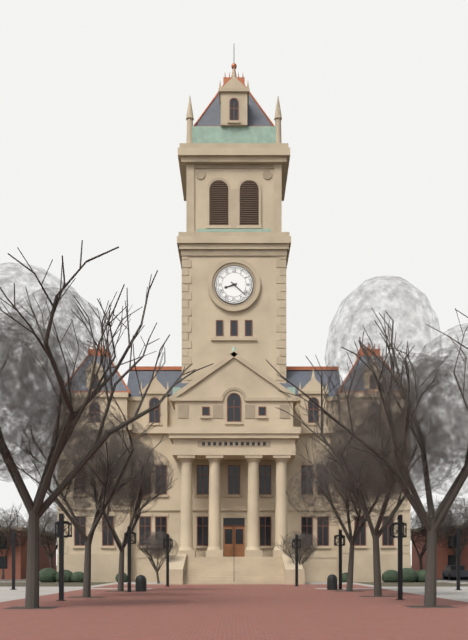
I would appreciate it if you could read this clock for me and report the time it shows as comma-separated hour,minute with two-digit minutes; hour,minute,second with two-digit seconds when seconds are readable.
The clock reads 8,22
